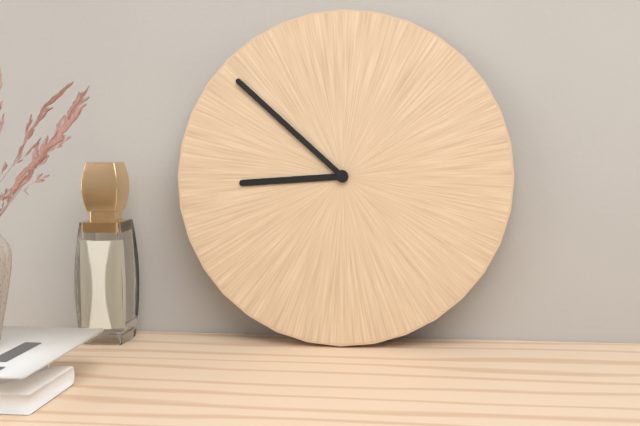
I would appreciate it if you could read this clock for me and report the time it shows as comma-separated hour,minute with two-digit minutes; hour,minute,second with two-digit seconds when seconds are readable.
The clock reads 8,52
